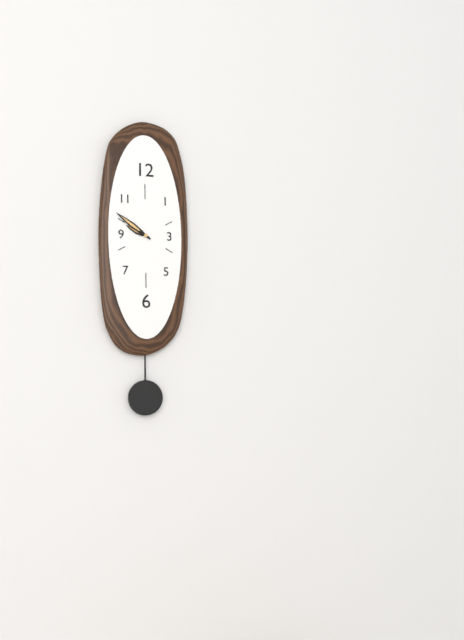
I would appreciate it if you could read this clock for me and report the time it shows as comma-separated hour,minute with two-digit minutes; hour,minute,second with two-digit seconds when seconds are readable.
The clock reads 9,51
